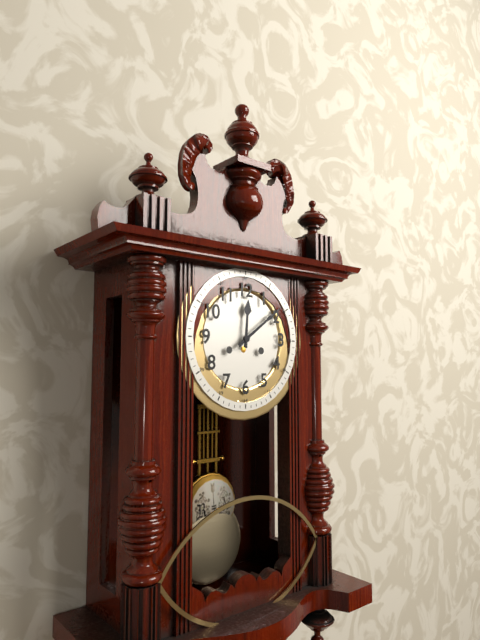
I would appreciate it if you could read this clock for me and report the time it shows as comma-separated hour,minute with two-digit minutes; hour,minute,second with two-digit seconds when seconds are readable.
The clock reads 12,09
